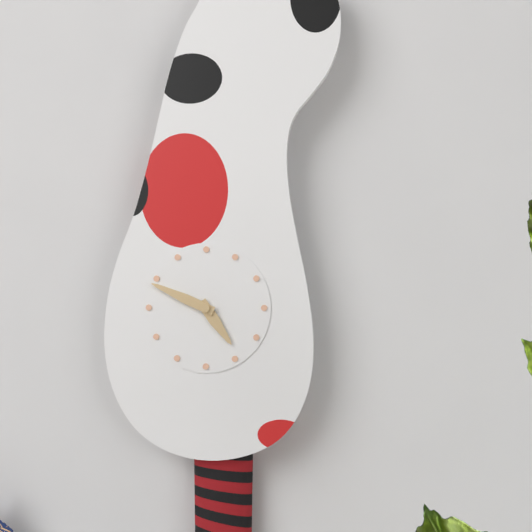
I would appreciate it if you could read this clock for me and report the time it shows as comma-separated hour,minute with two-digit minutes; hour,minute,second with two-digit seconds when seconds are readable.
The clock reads 4,49
